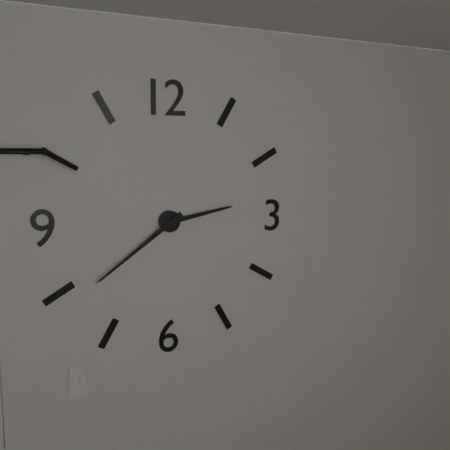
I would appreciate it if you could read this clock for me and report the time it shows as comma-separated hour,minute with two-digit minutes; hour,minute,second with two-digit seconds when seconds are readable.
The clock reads 2,39
